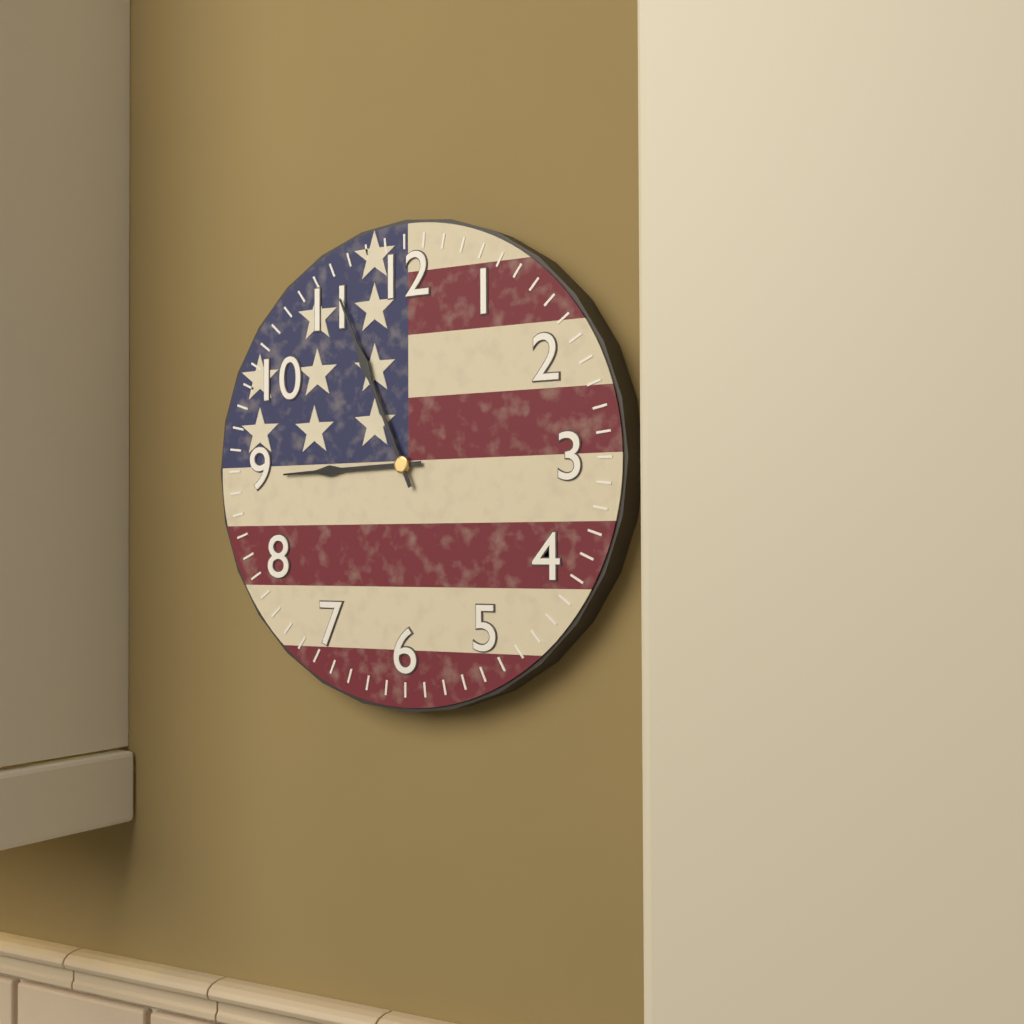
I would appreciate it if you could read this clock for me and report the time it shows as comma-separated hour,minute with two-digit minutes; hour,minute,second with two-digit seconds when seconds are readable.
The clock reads 8,56
